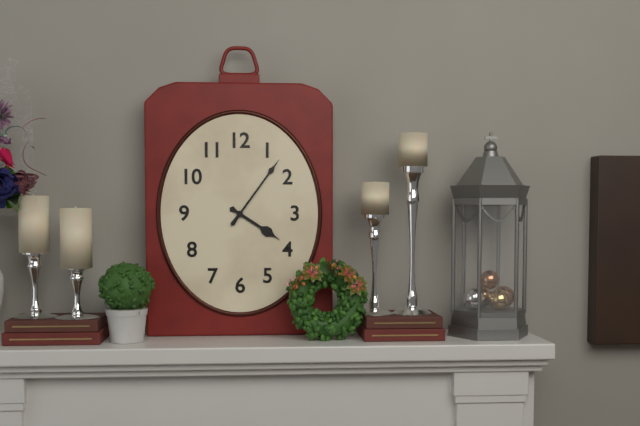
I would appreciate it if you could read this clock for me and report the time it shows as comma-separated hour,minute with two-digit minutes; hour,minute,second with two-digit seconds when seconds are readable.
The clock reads 4,06
